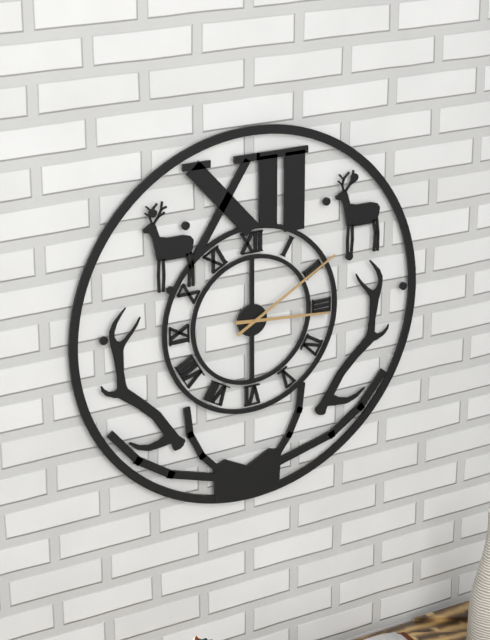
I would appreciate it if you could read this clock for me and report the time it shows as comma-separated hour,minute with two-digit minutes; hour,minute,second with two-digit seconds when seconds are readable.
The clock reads 3,10
